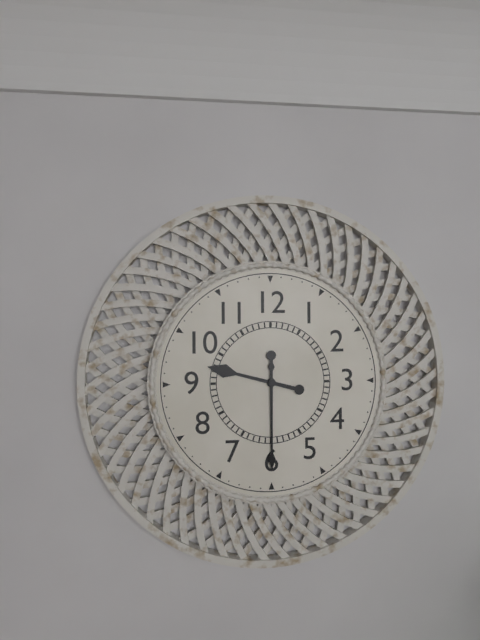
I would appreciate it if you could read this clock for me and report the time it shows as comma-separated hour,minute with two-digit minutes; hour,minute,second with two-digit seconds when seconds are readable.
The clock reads 9,30
